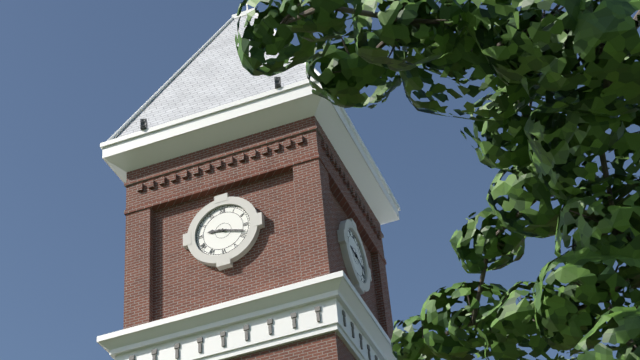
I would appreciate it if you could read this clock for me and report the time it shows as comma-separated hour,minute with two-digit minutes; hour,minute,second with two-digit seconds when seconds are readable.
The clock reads 9,18
